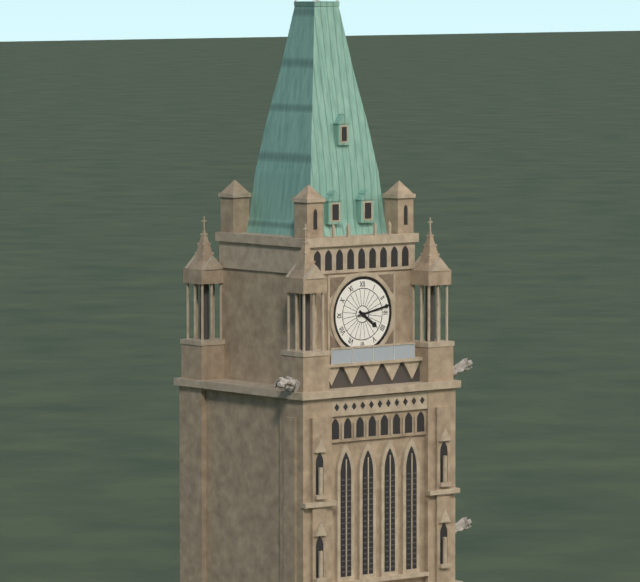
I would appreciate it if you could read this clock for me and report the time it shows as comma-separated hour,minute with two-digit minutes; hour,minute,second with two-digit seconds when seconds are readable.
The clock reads 4,13
